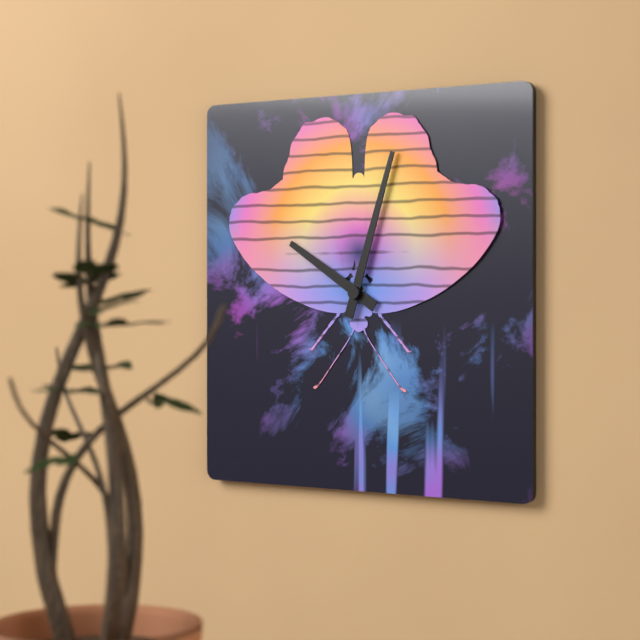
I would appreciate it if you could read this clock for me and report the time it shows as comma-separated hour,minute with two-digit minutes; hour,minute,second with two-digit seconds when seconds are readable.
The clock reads 10,03
